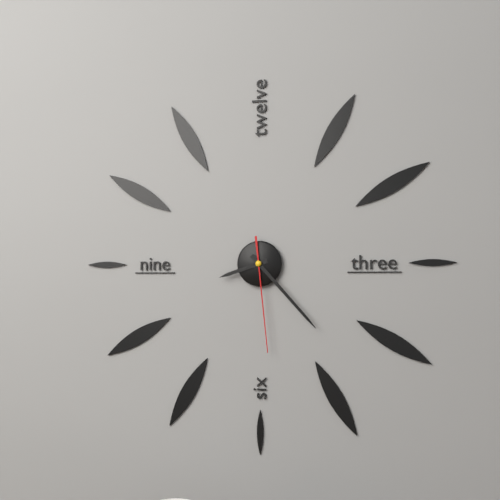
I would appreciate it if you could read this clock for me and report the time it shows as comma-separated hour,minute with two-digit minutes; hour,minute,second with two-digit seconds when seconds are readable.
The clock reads 8,23,29
